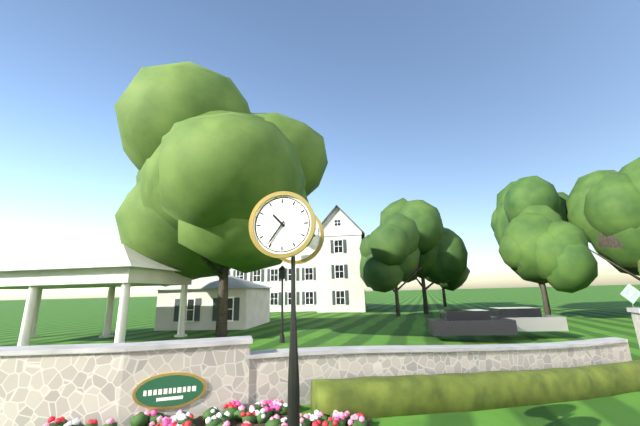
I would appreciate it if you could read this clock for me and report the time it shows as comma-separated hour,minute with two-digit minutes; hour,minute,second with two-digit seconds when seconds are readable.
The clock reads 10,36
